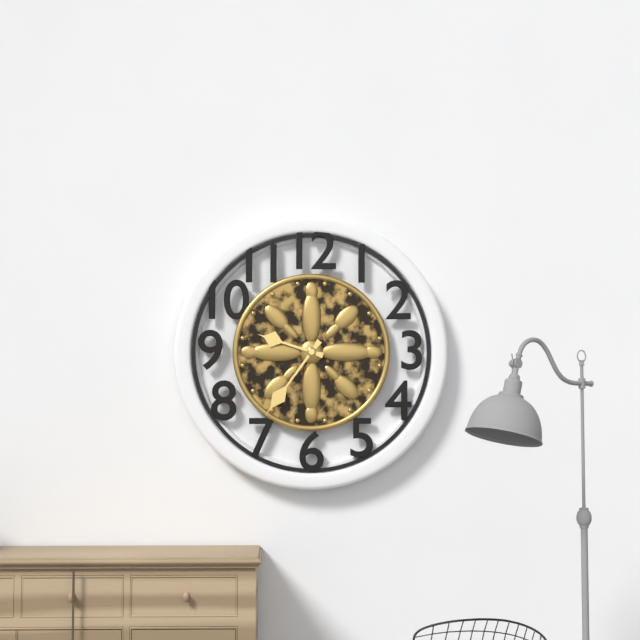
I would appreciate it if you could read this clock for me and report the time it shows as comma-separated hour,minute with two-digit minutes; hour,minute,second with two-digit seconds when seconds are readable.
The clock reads 9,36
